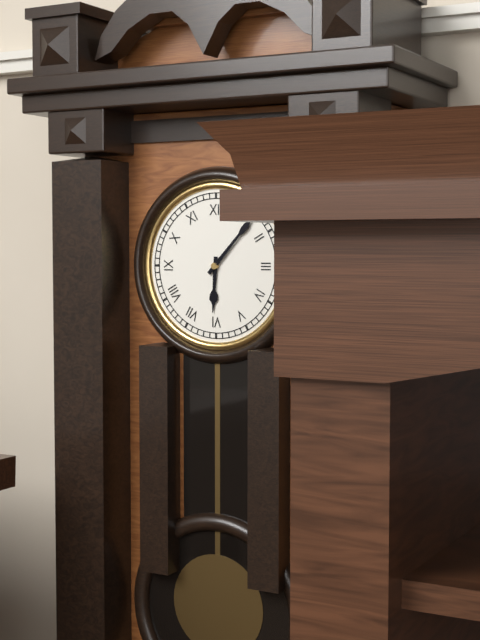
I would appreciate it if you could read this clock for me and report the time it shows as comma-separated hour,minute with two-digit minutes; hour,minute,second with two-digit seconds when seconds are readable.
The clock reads 6,07
